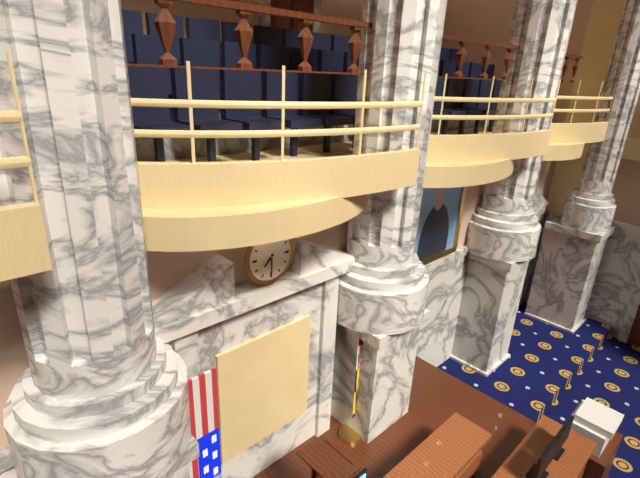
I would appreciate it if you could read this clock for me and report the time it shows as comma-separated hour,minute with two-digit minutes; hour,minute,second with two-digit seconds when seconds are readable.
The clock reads 7,30
